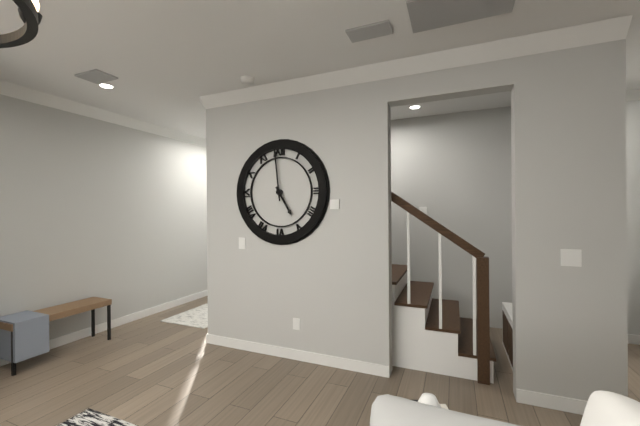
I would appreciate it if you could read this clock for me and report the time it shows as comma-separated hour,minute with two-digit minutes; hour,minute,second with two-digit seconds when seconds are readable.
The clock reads 4,59
